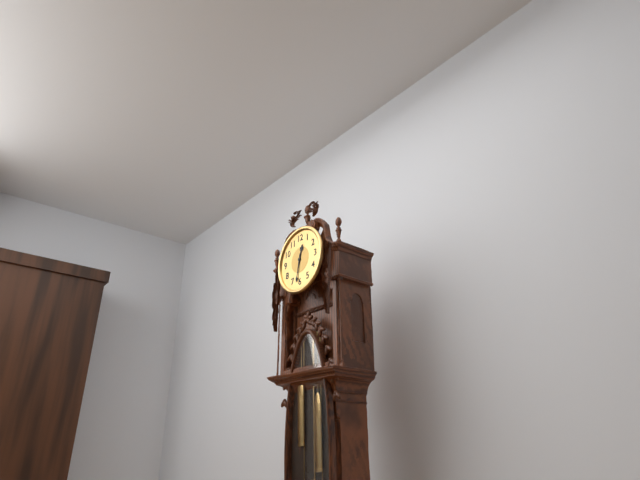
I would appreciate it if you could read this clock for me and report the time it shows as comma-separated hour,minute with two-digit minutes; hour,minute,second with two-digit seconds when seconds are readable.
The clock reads 12,32
